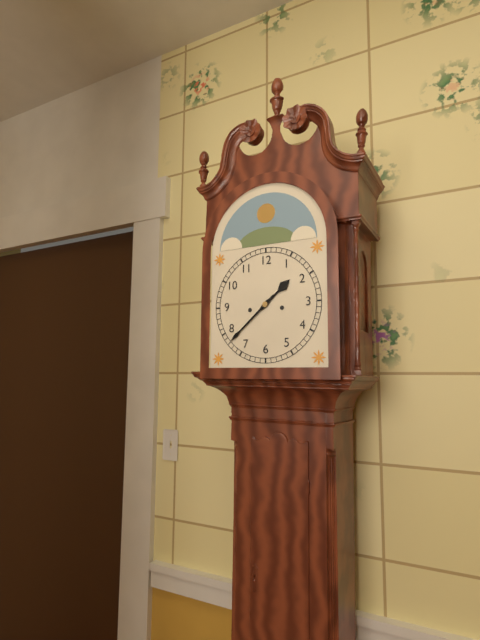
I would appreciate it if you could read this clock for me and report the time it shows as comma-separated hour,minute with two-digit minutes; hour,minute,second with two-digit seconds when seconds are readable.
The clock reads 1,38
